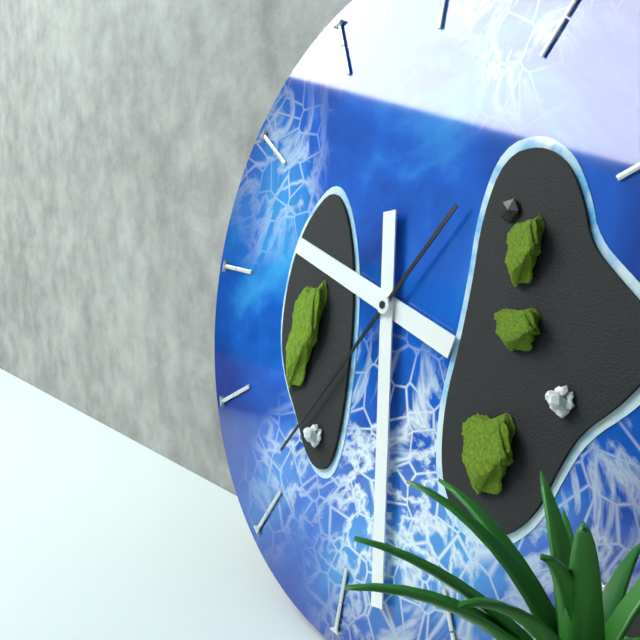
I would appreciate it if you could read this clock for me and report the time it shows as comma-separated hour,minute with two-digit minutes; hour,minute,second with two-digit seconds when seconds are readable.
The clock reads 9,28,36
